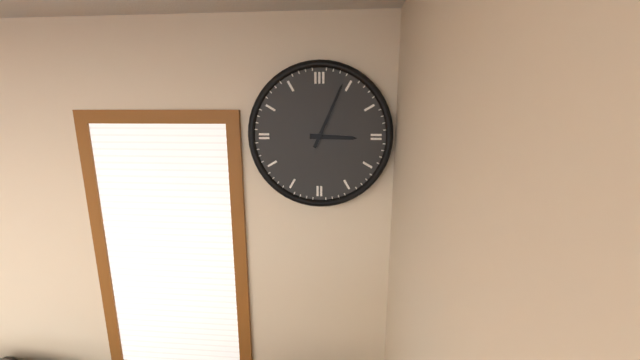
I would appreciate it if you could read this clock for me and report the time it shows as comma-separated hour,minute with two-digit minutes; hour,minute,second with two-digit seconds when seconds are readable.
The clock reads 3,04
